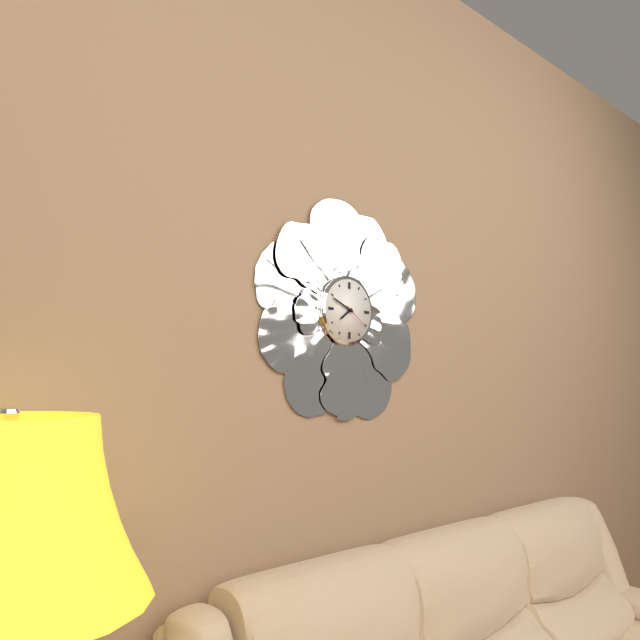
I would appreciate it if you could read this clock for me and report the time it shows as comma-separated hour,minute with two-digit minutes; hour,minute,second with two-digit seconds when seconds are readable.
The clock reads 7,49
